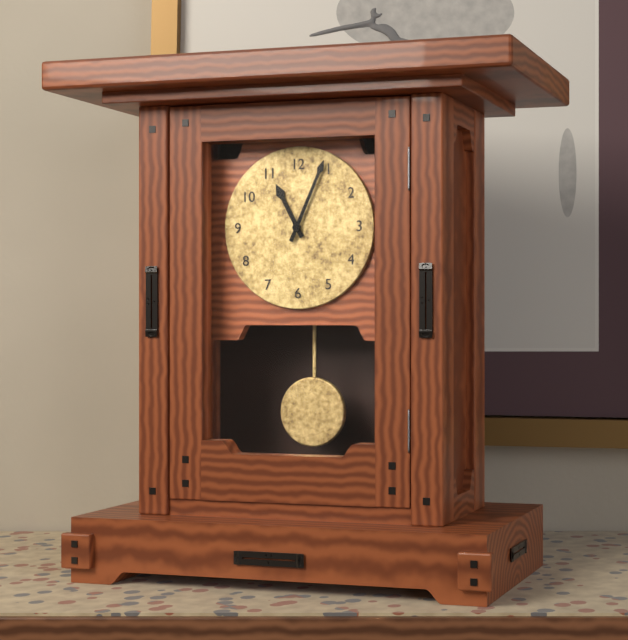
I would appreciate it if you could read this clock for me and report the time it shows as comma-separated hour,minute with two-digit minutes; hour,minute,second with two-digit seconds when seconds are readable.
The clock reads 11,04
